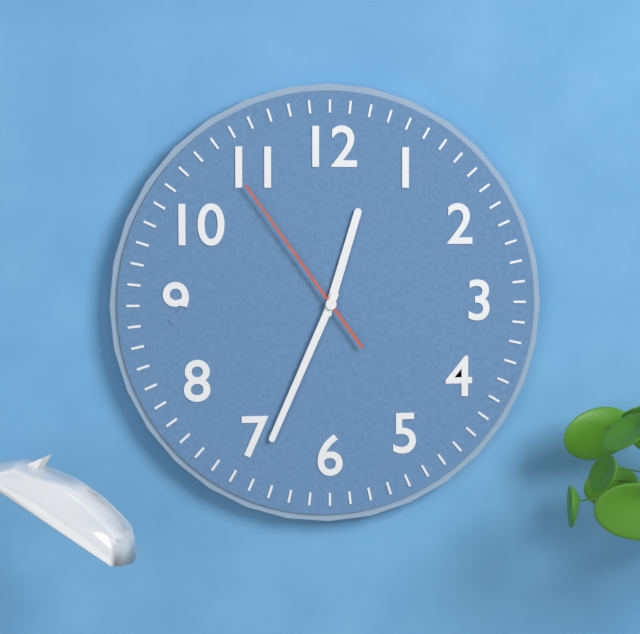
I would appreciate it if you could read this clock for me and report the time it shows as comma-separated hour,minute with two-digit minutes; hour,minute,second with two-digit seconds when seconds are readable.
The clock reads 12,34,54
